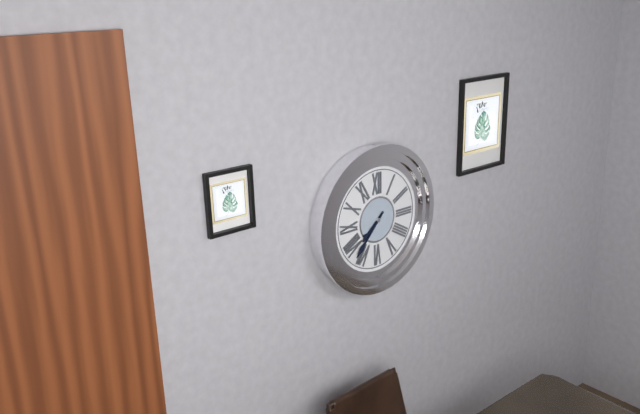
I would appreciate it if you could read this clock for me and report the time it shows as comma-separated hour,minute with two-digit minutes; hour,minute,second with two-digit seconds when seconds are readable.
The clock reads 7,37
